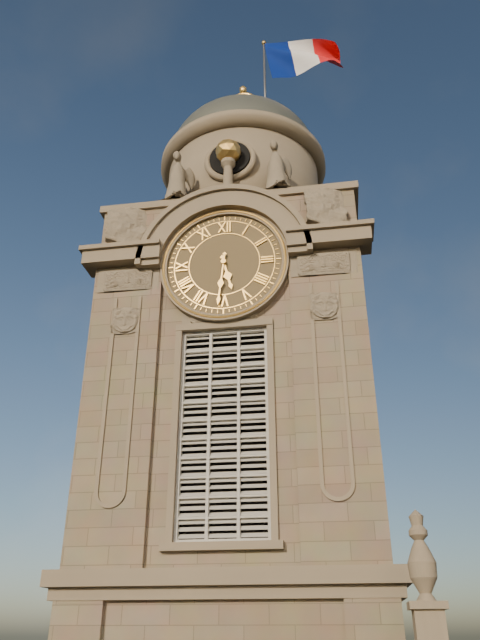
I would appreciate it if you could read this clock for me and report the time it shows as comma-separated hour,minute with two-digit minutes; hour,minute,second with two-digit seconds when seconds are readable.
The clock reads 5,31
